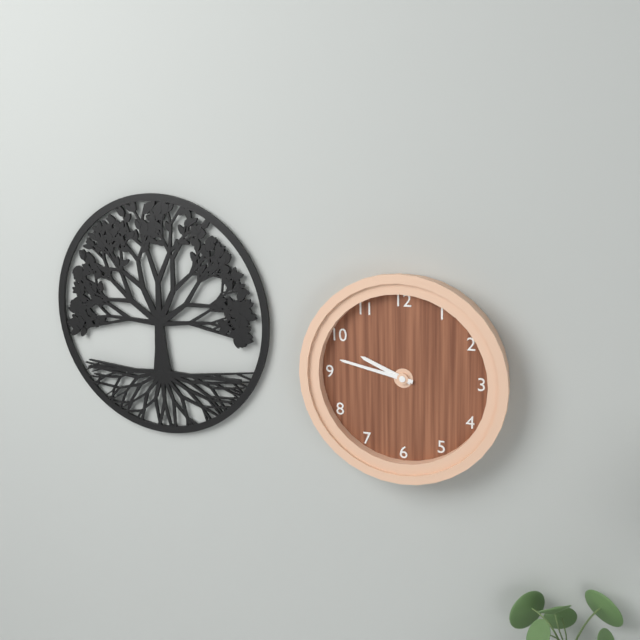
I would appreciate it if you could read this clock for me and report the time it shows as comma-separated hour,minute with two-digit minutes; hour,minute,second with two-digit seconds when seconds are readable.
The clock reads 9,47
